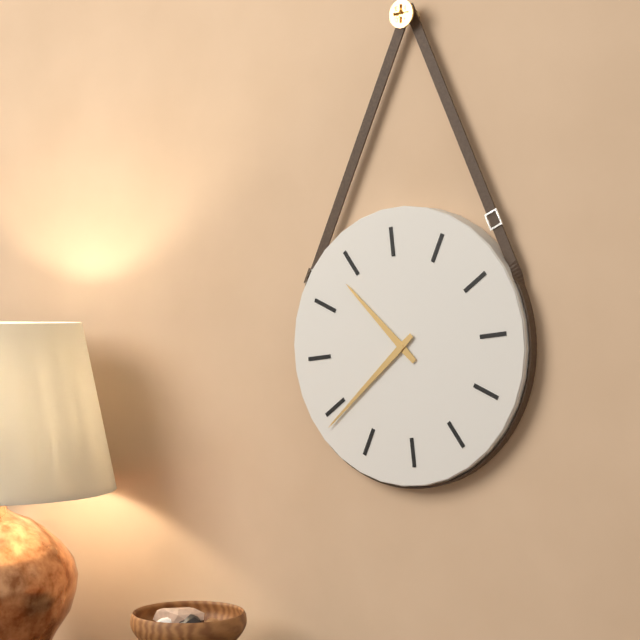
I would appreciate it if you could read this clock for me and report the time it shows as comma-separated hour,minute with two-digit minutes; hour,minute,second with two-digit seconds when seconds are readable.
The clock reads 10,39
